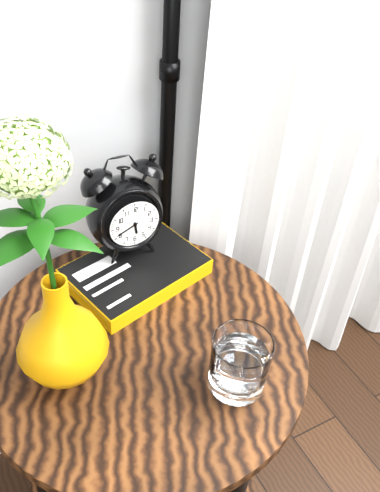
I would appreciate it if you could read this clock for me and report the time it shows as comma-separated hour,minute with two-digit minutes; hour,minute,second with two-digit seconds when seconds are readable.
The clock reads 5,41
